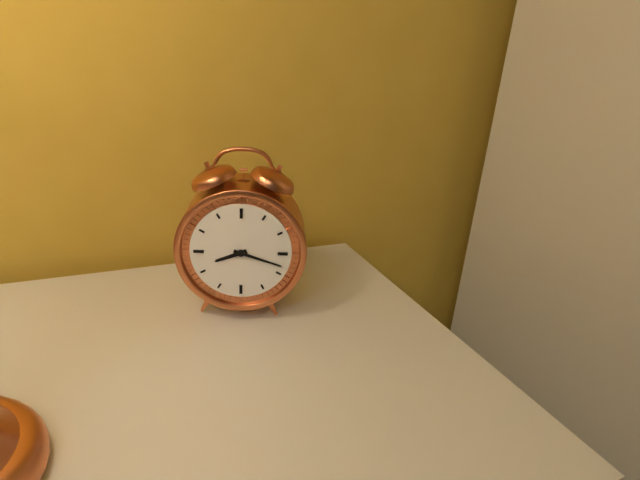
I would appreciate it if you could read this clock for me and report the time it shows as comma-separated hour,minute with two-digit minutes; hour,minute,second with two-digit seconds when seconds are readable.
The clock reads 8,18
